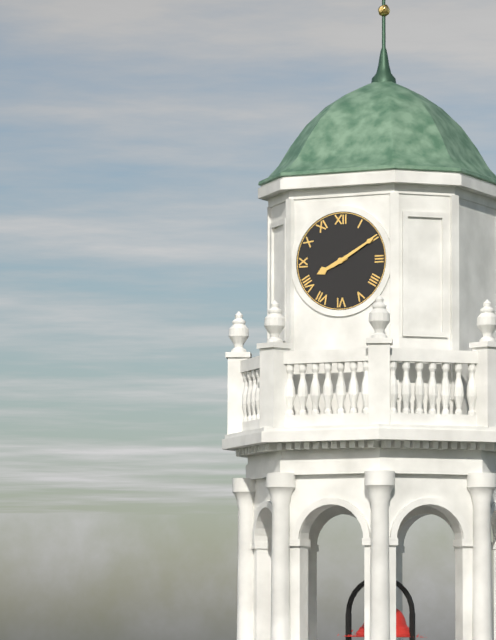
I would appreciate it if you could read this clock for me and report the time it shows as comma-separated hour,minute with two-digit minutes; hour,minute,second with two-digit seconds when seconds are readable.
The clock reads 8,10
